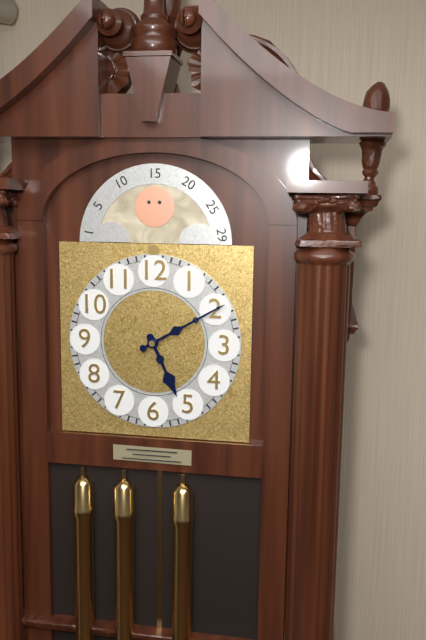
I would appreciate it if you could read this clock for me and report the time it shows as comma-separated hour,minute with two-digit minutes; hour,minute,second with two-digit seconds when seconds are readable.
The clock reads 5,10
